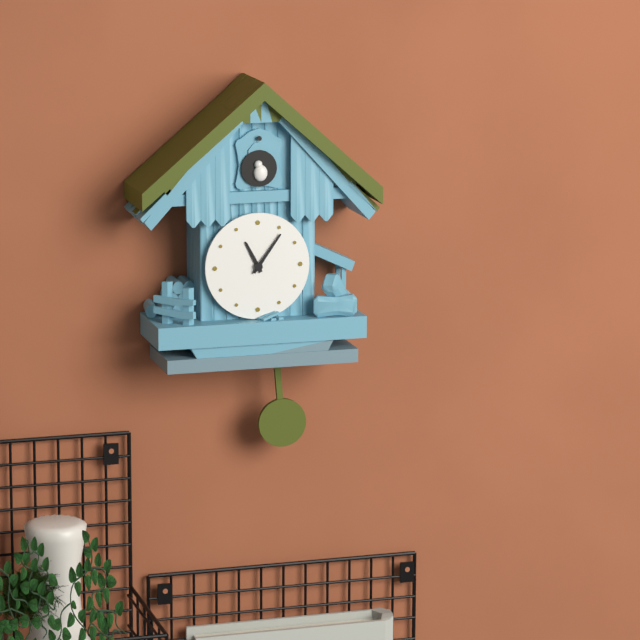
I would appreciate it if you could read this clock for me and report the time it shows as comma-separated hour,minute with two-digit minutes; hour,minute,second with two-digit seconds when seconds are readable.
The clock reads 11,06
